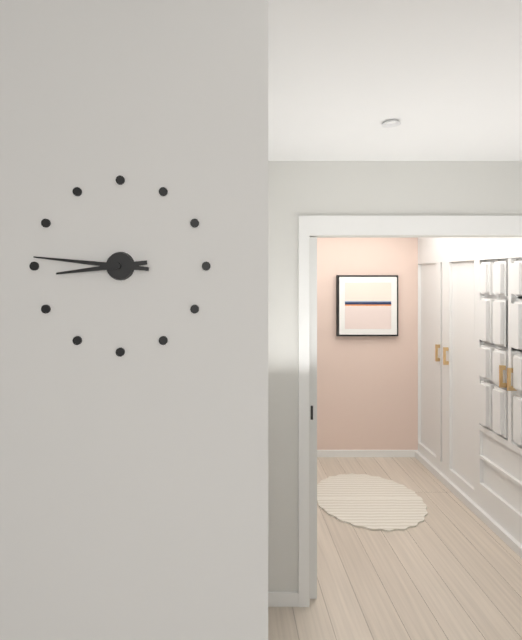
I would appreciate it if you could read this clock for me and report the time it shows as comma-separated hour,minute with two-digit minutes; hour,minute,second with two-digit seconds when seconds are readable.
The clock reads 8,46
